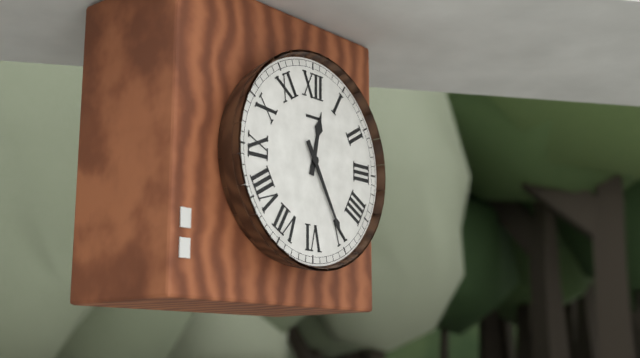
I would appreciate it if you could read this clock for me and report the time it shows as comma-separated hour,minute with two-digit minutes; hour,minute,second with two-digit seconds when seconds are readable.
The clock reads 12,25
